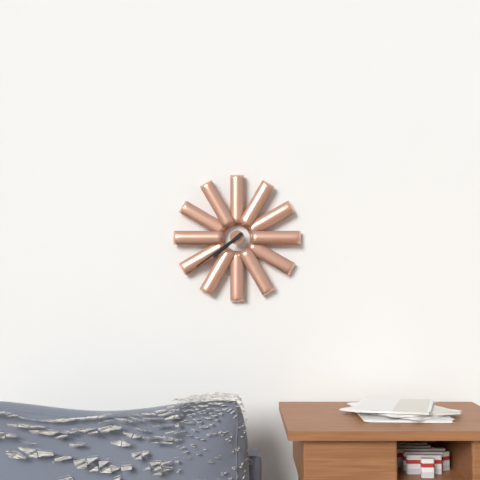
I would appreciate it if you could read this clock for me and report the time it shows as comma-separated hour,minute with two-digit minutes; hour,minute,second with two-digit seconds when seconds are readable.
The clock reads 7,39
